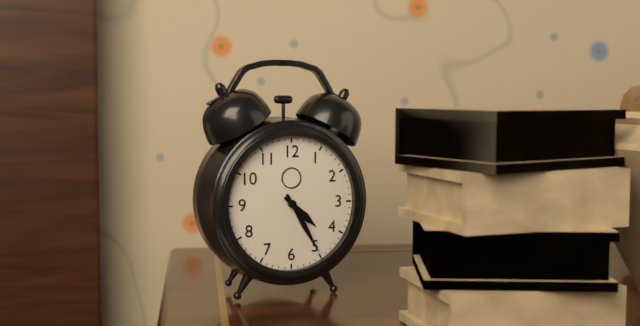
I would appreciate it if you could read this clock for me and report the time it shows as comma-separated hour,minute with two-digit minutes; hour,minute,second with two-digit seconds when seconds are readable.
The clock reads 4,25
